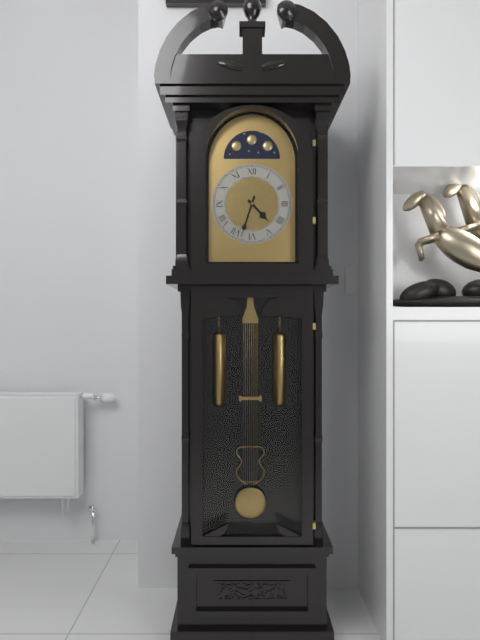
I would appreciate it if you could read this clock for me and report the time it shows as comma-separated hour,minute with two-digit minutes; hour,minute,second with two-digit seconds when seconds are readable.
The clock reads 4,33
